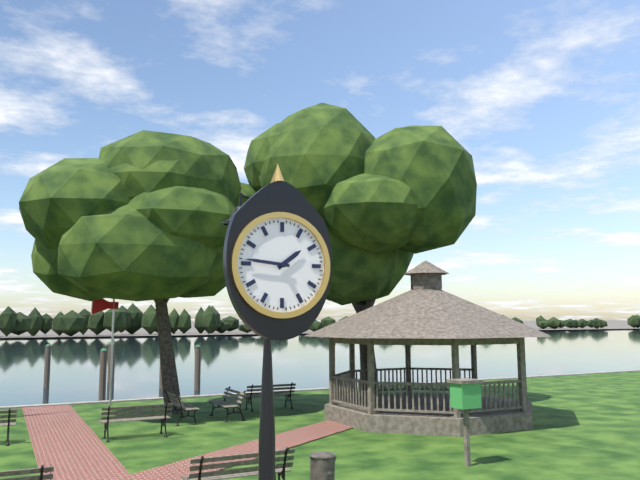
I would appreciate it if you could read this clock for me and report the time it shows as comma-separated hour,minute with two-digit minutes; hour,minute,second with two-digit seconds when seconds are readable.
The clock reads 1,46
